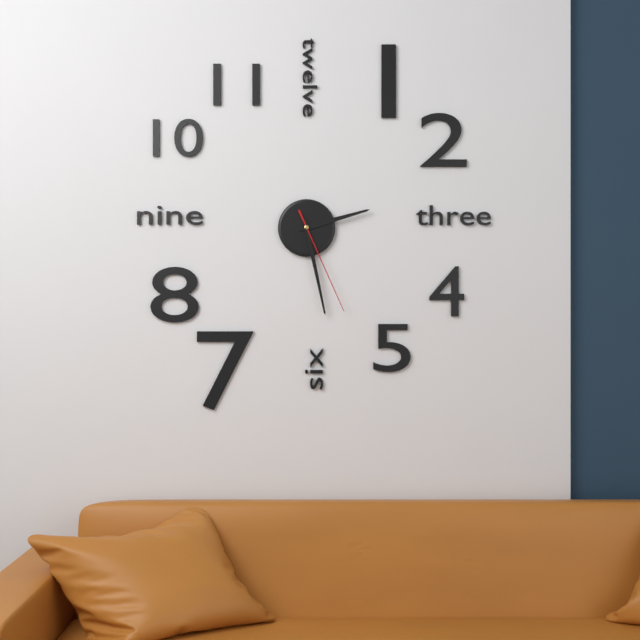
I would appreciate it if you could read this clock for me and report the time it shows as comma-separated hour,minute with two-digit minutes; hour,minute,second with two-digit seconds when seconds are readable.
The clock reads 2,28,26
